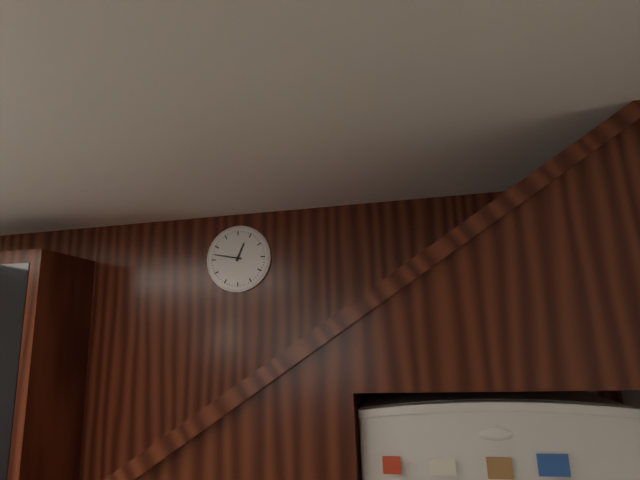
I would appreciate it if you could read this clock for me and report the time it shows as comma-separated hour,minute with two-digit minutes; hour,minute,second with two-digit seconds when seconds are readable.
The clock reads 12,47
